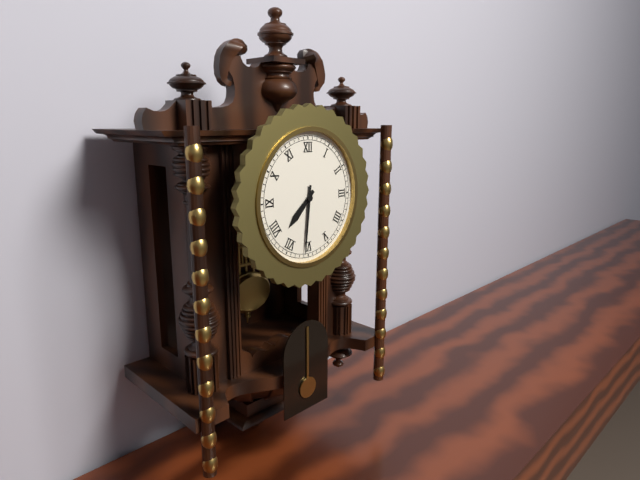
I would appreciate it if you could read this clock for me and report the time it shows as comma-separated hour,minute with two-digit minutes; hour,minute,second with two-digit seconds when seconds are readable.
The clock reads 7,31
